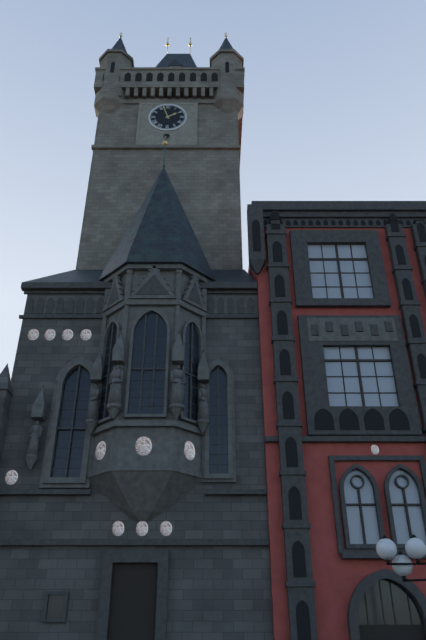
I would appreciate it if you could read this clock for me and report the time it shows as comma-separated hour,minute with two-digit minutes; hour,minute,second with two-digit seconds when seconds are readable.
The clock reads 1,57
